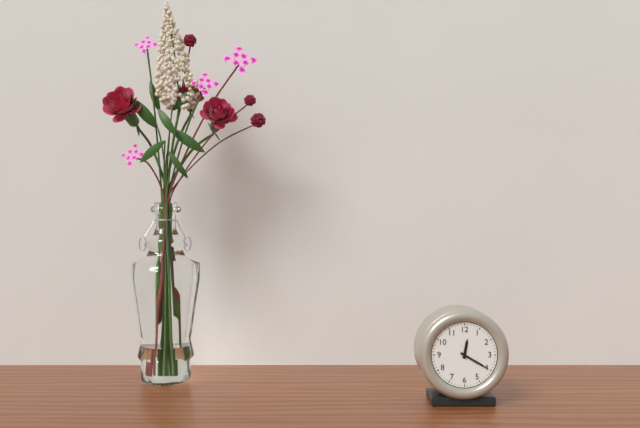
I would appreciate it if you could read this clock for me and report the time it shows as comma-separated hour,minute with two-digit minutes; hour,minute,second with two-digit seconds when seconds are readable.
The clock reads 12,20
